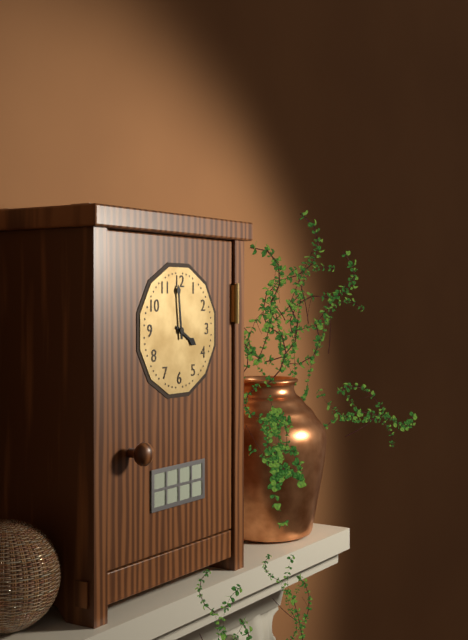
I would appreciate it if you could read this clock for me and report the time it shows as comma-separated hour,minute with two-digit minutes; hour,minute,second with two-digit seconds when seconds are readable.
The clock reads 3,59
